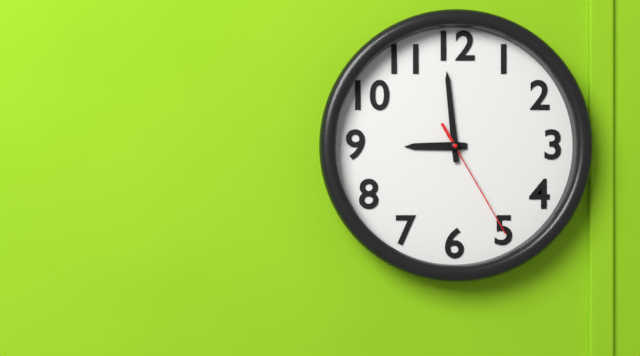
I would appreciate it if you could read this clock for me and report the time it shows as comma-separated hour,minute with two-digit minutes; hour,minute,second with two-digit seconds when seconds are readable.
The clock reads 8,59,25
